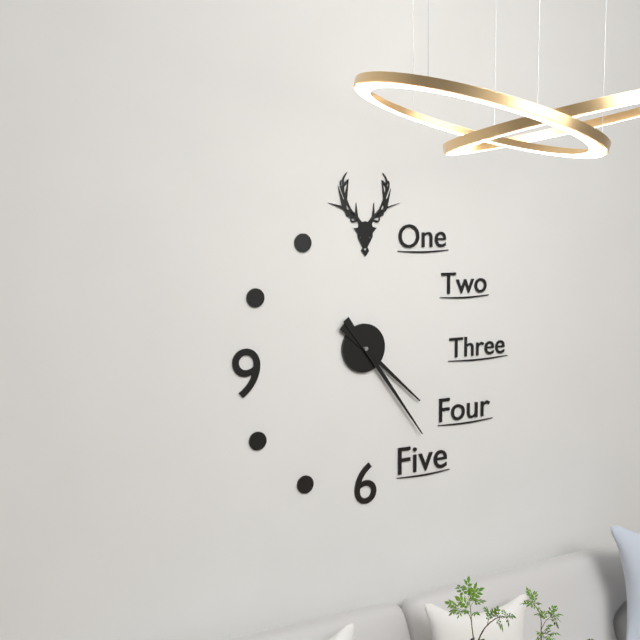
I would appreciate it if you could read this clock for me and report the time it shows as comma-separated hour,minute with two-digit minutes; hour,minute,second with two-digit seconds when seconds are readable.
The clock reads 4,24
